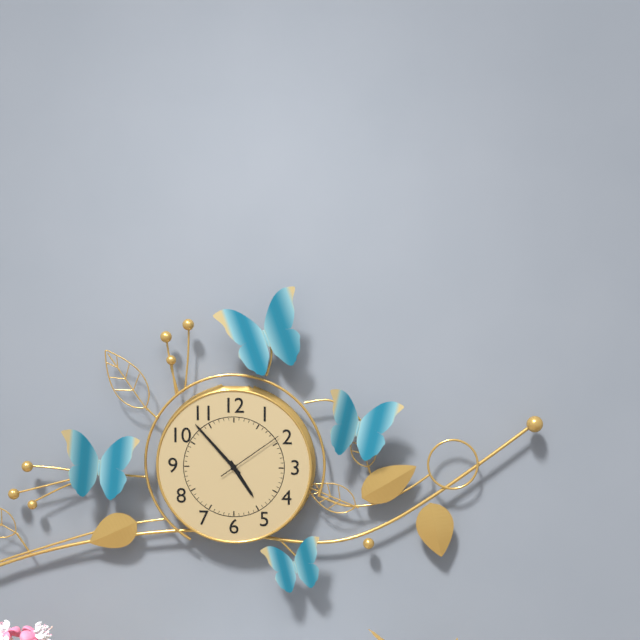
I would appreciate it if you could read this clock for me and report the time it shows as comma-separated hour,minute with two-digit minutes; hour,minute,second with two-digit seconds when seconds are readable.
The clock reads 4,53,09
